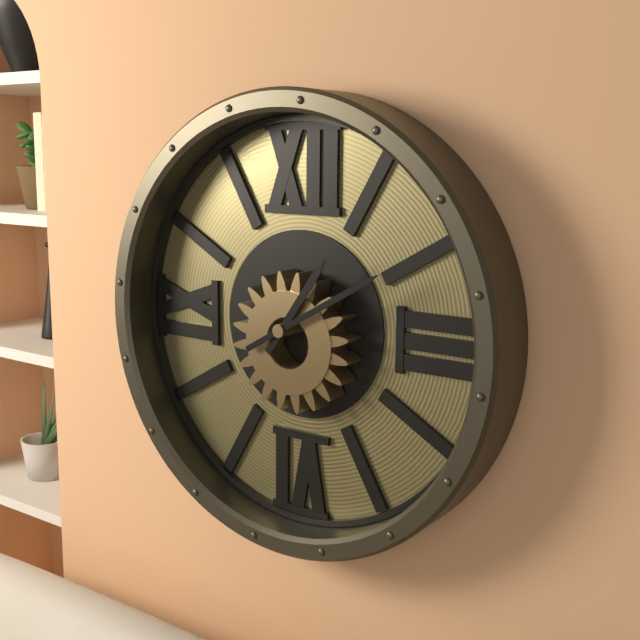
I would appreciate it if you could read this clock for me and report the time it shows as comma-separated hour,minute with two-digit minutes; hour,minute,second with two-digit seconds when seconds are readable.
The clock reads 1,10
